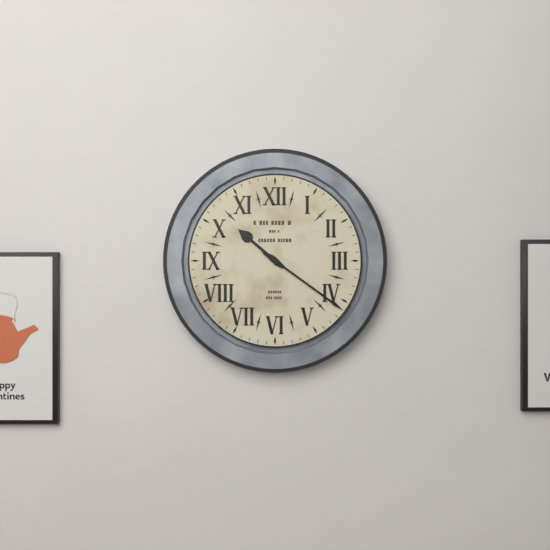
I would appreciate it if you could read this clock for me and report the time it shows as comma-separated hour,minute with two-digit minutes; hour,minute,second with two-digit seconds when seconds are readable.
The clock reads 10,21
